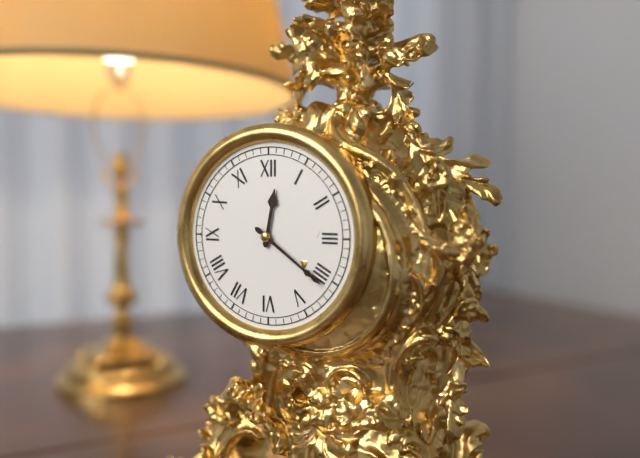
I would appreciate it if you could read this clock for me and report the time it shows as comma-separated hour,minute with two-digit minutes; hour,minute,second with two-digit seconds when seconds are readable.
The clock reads 12,21
